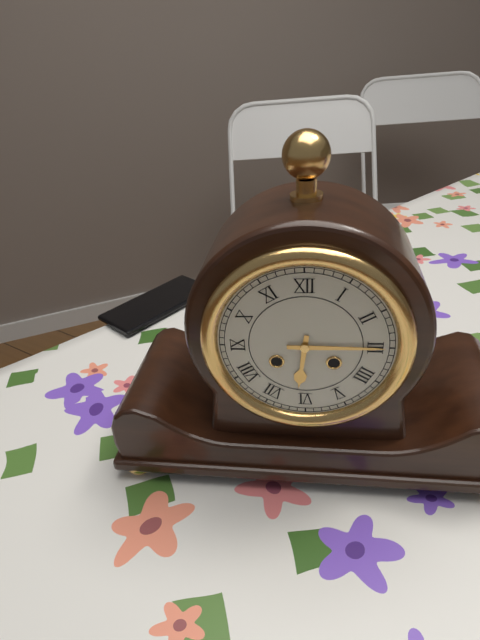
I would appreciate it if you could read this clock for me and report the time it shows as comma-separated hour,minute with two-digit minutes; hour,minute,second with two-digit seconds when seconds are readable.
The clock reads 6,15
